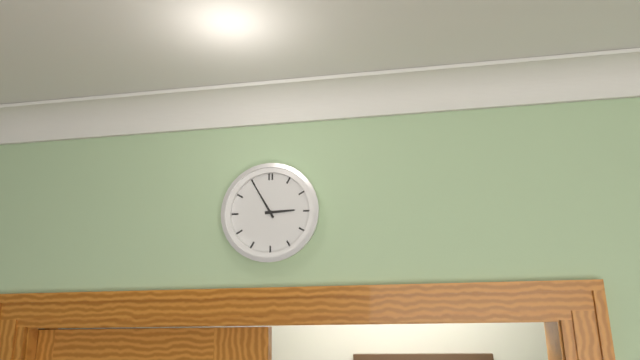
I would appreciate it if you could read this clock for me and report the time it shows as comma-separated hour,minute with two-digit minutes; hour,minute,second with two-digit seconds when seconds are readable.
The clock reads 2,55
